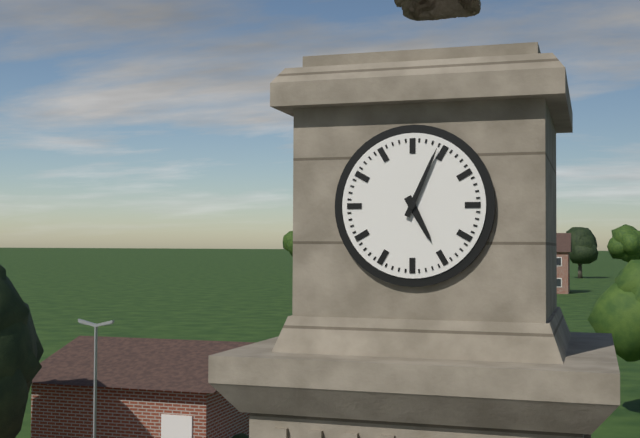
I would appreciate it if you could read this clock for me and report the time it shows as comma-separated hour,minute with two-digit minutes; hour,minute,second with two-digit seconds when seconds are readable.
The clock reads 5,04
